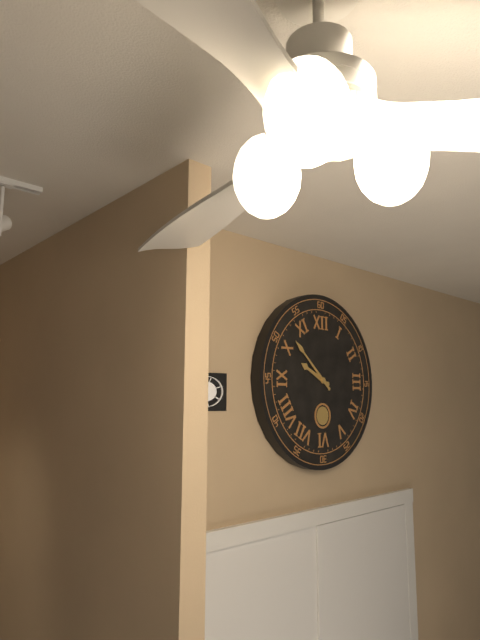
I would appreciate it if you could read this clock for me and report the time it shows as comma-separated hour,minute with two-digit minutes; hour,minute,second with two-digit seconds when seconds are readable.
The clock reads 9,52
